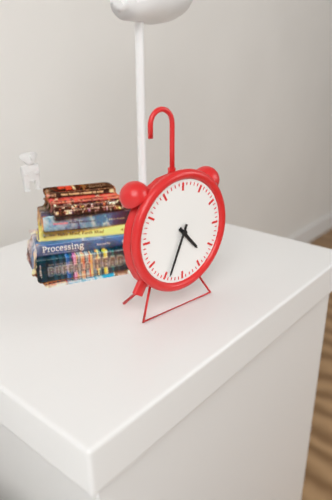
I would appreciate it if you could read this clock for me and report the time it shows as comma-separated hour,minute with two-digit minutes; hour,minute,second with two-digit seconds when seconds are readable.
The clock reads 4,34
